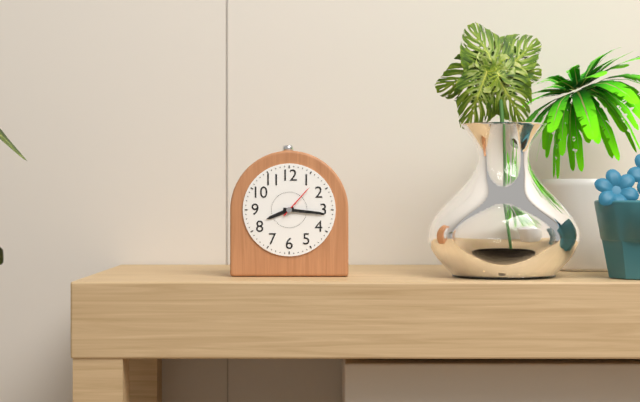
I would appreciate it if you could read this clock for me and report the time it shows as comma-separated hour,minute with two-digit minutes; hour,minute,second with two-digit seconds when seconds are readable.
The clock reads 8,16
